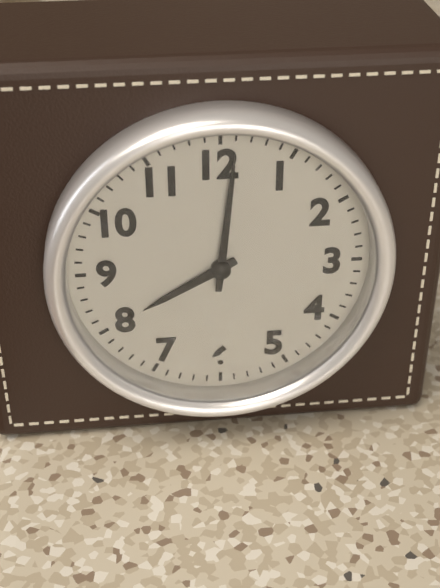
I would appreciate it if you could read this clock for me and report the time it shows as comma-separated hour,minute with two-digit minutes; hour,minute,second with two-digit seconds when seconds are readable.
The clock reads 8,01
